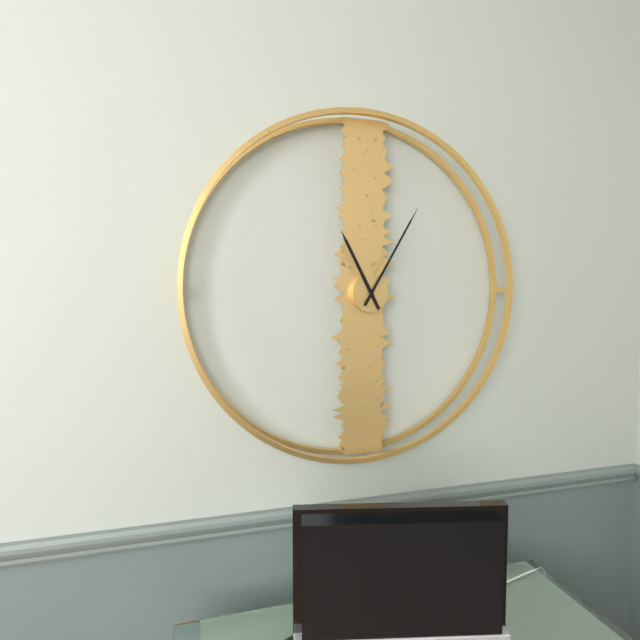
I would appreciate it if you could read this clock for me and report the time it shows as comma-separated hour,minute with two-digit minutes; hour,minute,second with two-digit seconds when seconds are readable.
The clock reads 11,05
